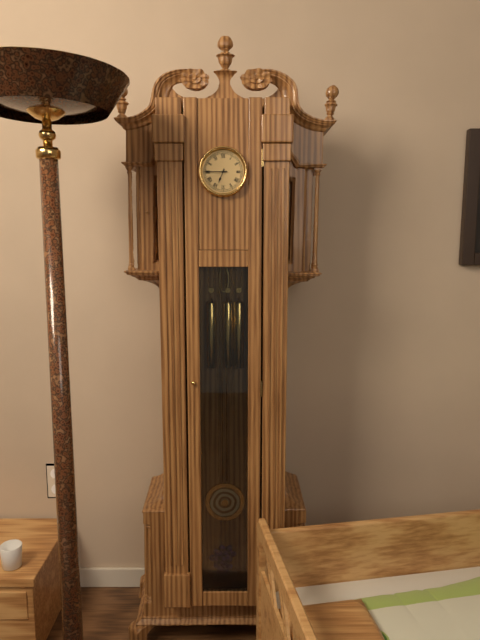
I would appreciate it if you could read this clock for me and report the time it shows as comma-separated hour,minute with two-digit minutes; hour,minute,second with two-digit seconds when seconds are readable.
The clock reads 6,45
